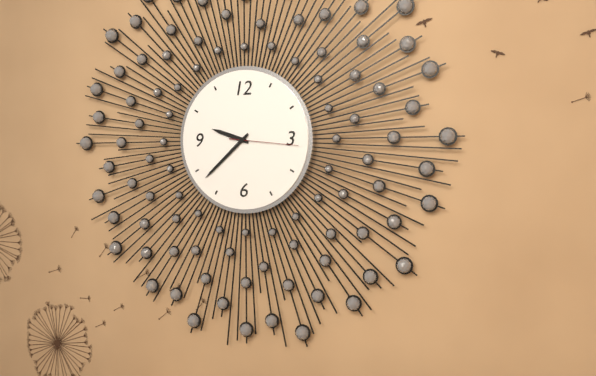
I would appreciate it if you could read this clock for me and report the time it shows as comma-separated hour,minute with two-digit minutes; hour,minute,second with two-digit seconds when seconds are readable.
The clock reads 9,38,16
